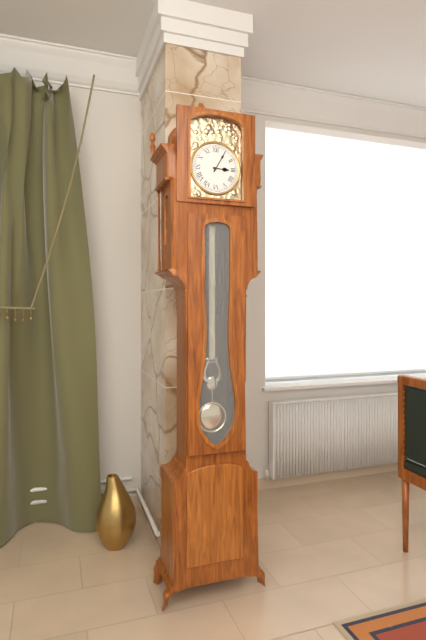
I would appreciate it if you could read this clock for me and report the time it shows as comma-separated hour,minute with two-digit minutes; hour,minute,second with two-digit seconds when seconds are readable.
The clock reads 3,05
